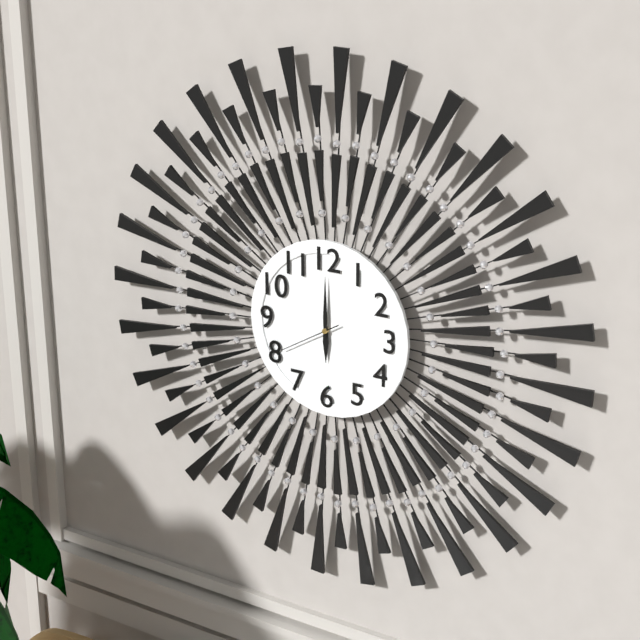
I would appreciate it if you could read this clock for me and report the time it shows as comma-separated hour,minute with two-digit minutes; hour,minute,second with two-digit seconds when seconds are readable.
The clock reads 6,00,40
